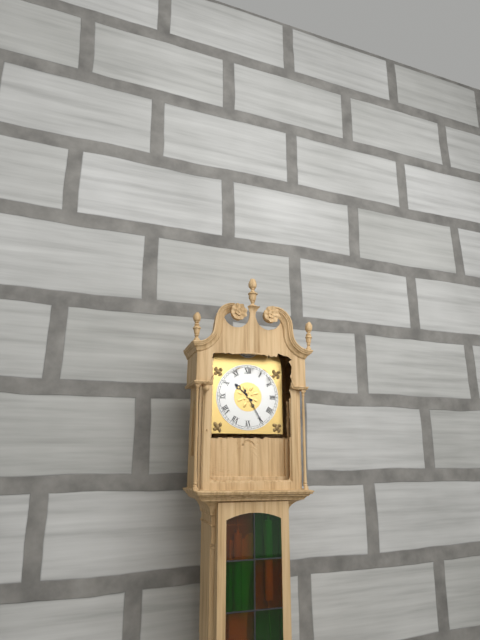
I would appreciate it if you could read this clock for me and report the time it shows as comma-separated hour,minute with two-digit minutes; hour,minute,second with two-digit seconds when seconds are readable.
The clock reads 10,25
